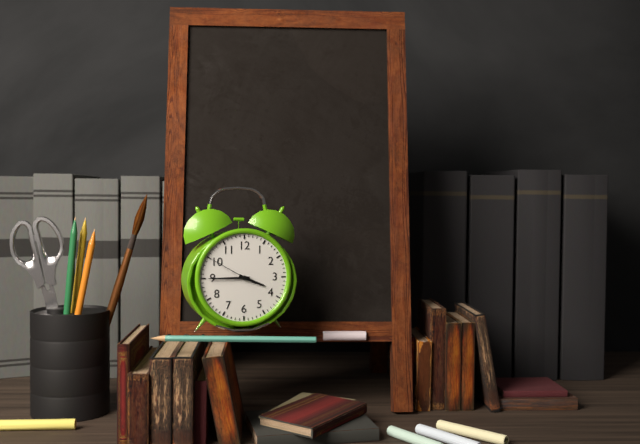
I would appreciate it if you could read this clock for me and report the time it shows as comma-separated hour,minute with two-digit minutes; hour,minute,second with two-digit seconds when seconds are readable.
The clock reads 3,45
